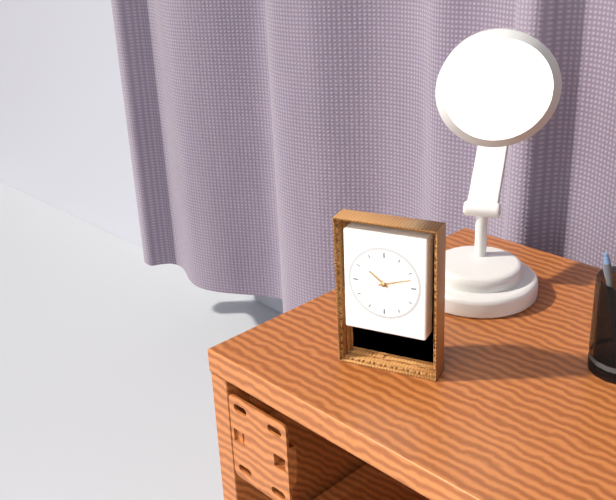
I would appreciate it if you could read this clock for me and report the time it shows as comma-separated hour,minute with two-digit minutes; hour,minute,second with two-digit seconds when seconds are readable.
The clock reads 10,12
